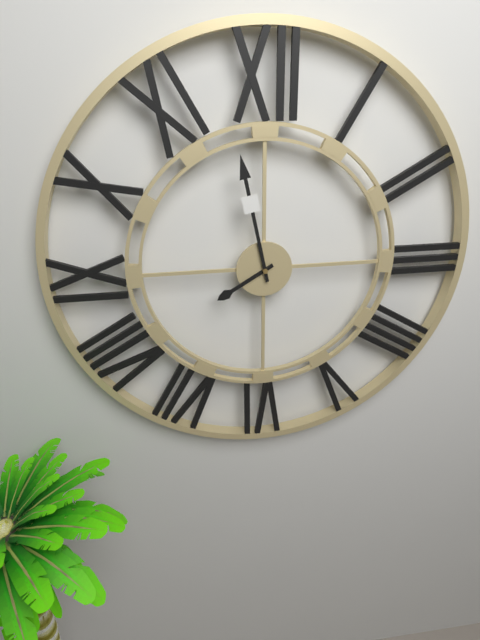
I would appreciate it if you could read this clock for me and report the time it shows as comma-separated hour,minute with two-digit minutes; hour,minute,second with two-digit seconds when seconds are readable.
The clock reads 7,58
